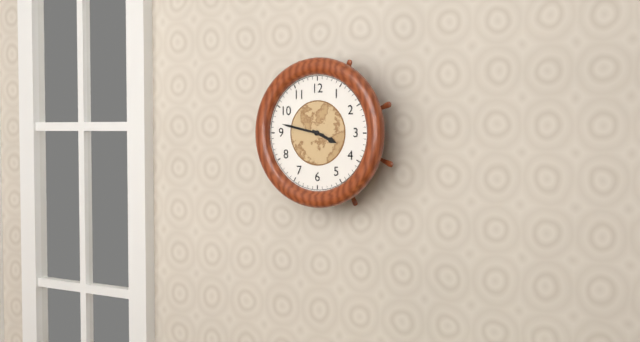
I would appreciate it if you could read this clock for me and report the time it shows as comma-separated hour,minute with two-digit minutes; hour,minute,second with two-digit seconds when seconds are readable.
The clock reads 3,47
